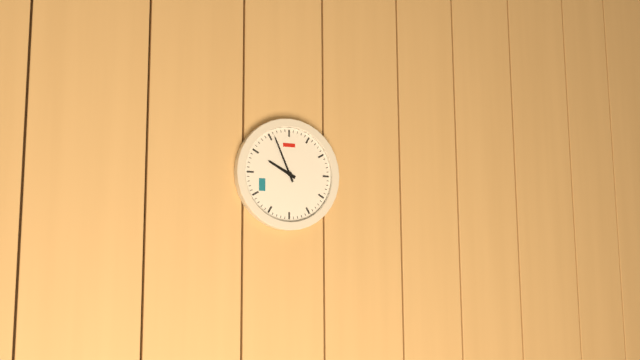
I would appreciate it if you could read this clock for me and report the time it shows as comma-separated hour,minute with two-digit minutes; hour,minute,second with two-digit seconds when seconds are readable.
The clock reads 9,56
